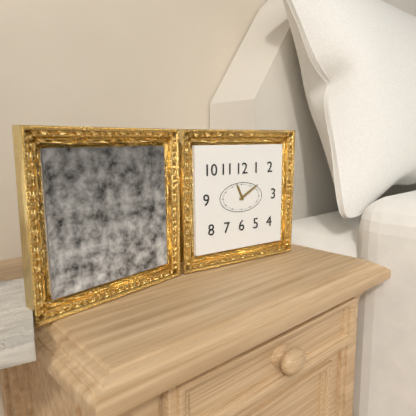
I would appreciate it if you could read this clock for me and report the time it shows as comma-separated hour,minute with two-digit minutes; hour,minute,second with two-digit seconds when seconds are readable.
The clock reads 11,10
